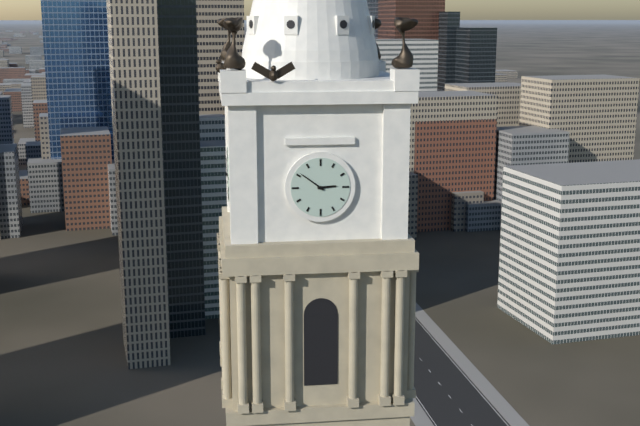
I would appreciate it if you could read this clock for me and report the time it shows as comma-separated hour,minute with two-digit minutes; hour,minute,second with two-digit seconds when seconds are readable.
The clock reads 2,51
